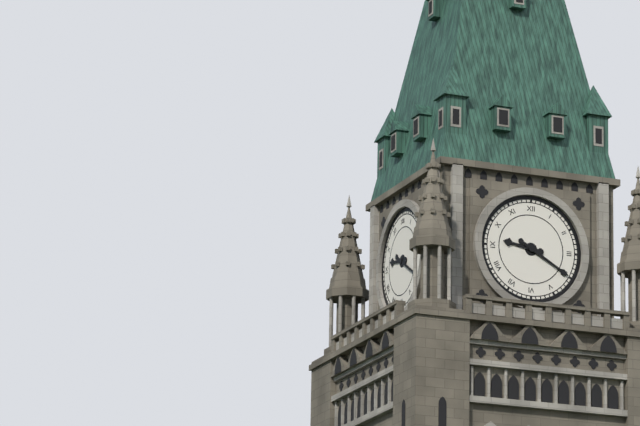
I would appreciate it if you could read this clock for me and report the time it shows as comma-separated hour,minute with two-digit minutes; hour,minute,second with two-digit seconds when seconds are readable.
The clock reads 9,20
